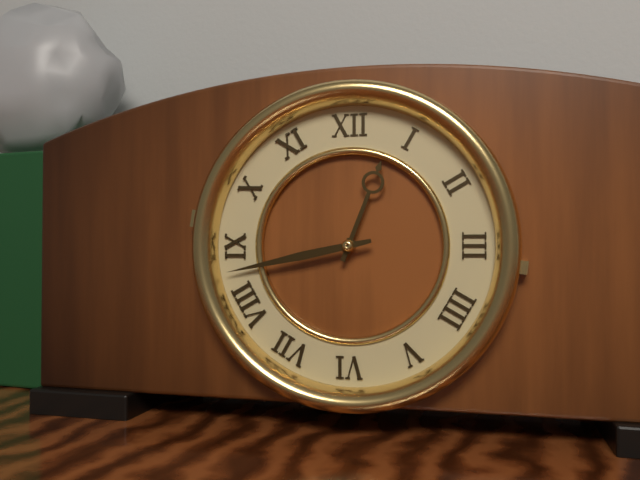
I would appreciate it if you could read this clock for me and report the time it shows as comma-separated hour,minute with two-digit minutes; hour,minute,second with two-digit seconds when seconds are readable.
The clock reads 12,43
